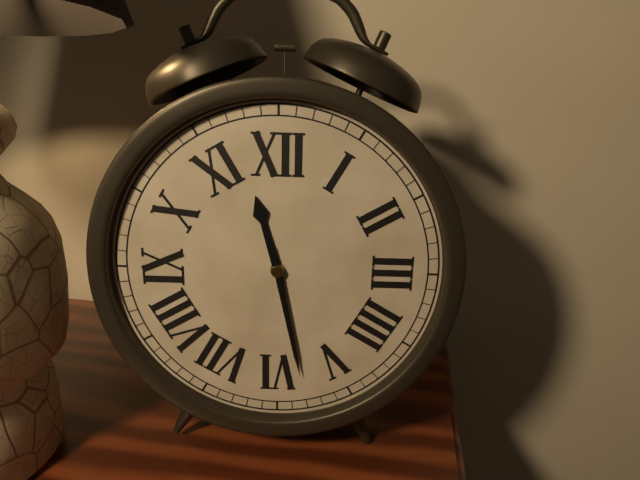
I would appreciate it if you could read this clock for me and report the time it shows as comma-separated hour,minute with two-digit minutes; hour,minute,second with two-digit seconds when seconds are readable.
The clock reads 11,28
